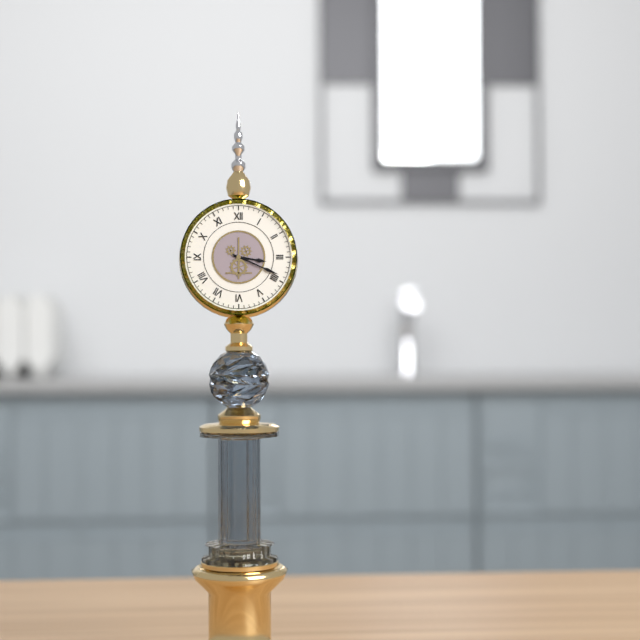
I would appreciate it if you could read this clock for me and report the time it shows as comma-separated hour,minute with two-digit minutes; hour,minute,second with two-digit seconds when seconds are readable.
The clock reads 3,19
